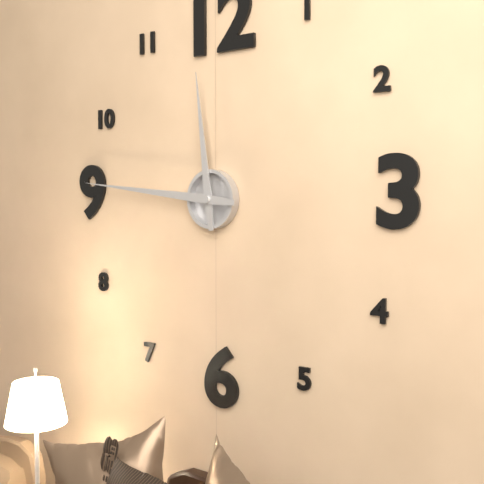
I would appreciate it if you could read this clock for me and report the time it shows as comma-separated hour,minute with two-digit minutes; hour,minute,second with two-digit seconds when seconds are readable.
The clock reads 11,46
